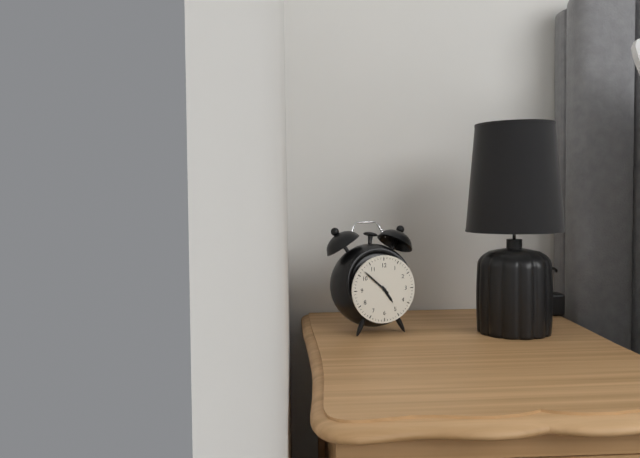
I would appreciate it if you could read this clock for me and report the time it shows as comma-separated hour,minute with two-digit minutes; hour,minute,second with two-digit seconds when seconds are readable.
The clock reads 4,52
